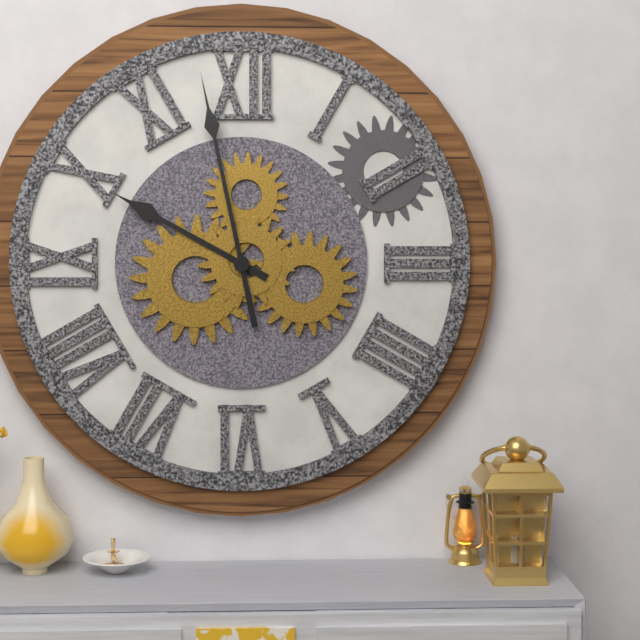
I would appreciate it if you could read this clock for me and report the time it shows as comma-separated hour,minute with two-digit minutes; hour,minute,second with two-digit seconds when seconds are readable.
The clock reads 9,58
